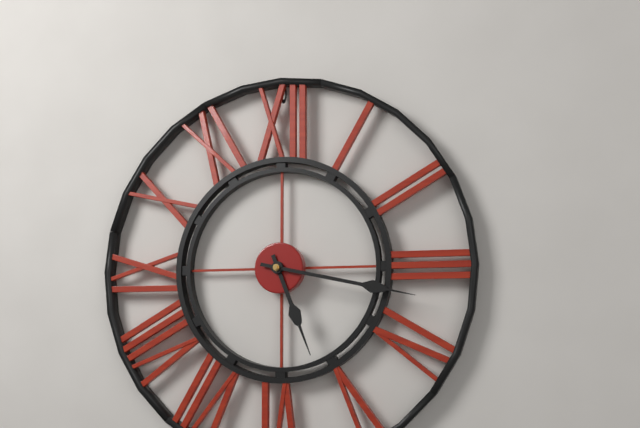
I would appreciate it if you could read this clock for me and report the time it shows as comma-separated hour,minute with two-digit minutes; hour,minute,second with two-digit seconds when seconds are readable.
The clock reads 5,17
